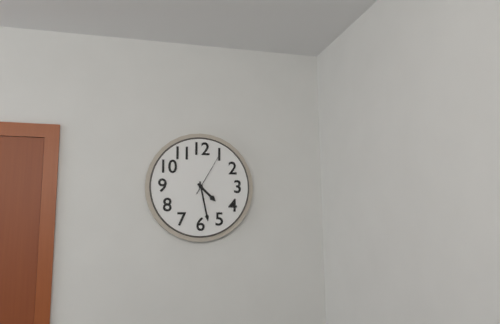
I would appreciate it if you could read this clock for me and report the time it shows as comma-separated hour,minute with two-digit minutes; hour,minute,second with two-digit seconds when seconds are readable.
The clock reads 4,28
